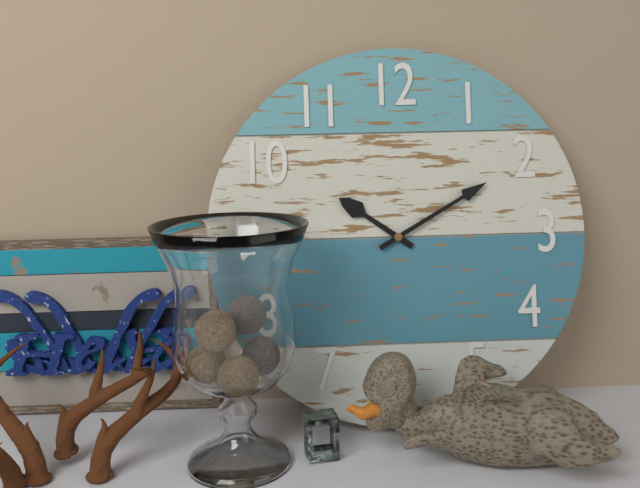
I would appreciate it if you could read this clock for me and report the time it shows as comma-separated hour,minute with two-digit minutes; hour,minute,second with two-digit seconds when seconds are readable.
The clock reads 10,10
